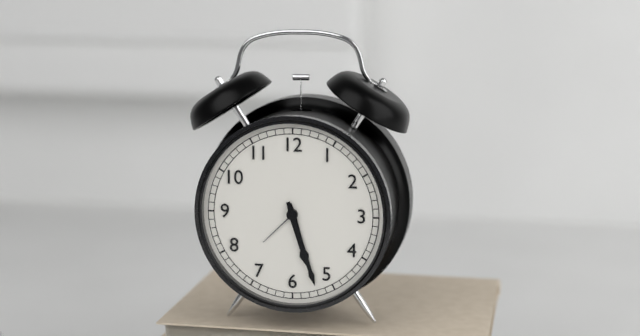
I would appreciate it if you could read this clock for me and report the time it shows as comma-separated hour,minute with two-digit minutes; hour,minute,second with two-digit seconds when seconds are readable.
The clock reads 5,27
